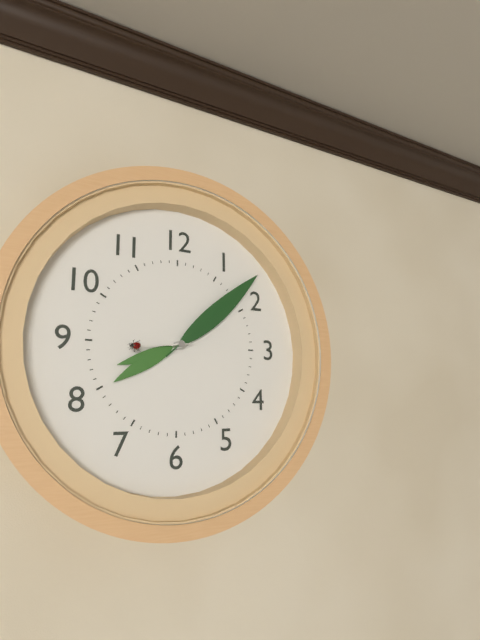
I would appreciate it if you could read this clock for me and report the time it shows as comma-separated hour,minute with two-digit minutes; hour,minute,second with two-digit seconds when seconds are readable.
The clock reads 8,08,44
